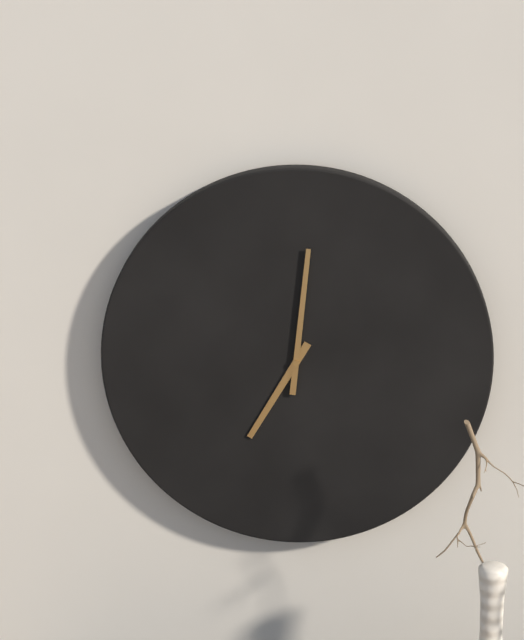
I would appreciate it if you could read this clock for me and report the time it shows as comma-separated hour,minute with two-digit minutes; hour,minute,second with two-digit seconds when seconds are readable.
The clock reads 7,01
